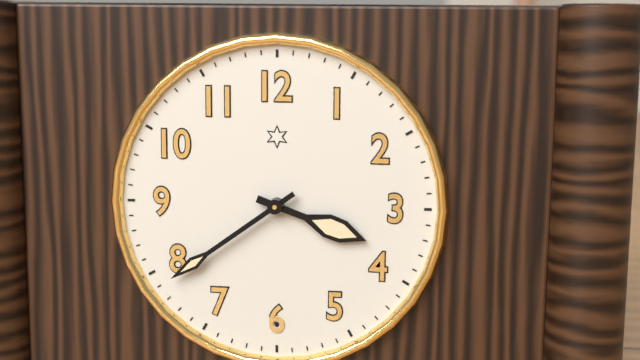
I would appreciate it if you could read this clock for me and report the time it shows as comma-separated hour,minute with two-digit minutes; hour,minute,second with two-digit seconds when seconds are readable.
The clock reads 3,39
